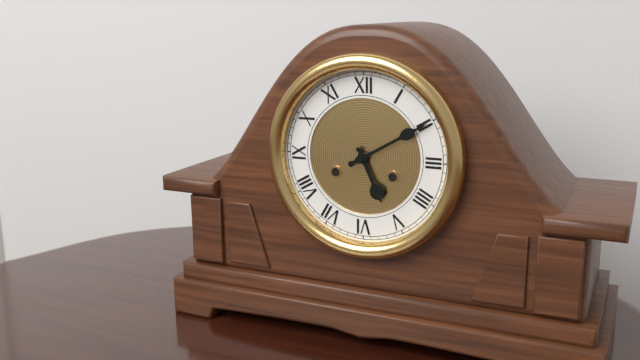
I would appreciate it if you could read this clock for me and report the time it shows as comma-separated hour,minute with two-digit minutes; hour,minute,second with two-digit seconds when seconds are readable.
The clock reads 5,10
